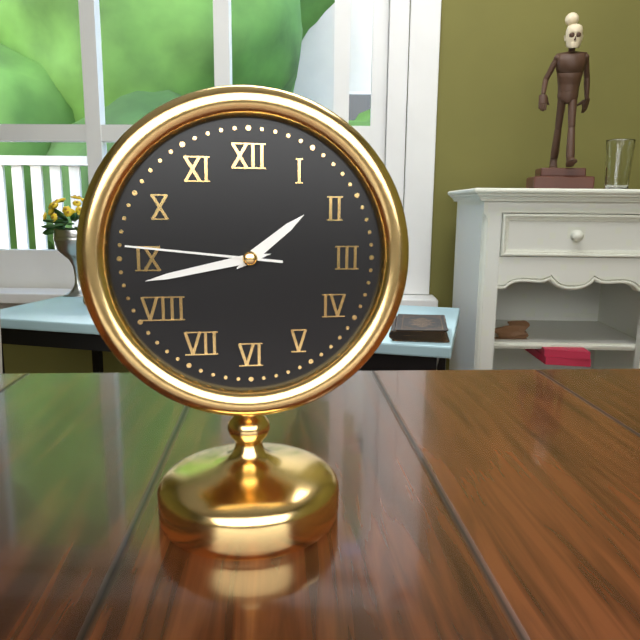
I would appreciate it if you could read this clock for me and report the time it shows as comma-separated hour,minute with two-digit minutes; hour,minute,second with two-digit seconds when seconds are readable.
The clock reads 1,43,46
